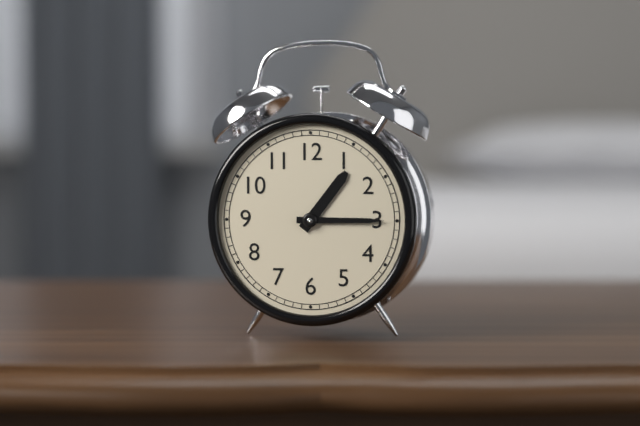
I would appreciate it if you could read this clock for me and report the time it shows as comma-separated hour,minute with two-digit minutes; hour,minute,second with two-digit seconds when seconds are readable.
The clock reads 1,15
